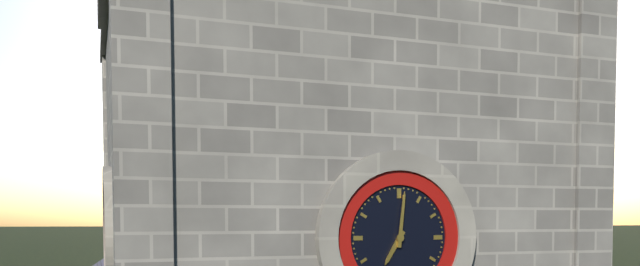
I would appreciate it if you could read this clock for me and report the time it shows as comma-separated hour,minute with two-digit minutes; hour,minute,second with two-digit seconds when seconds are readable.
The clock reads 7,01
